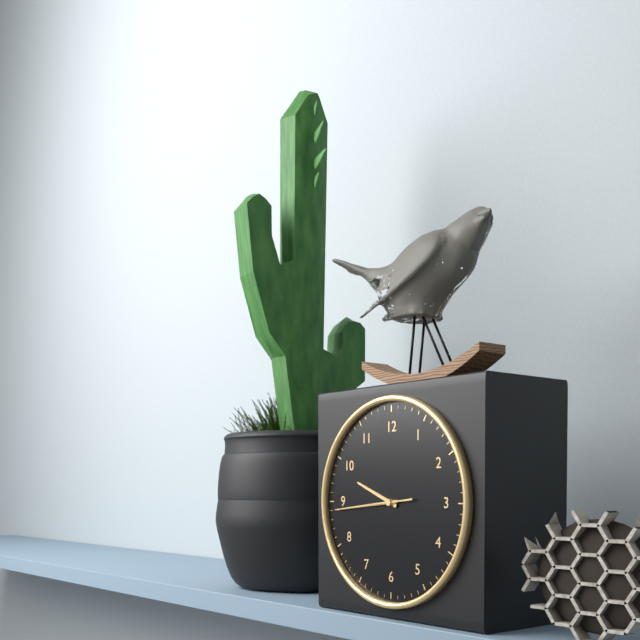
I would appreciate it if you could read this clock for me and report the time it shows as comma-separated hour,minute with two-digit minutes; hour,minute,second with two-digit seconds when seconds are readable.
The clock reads 9,44,44
